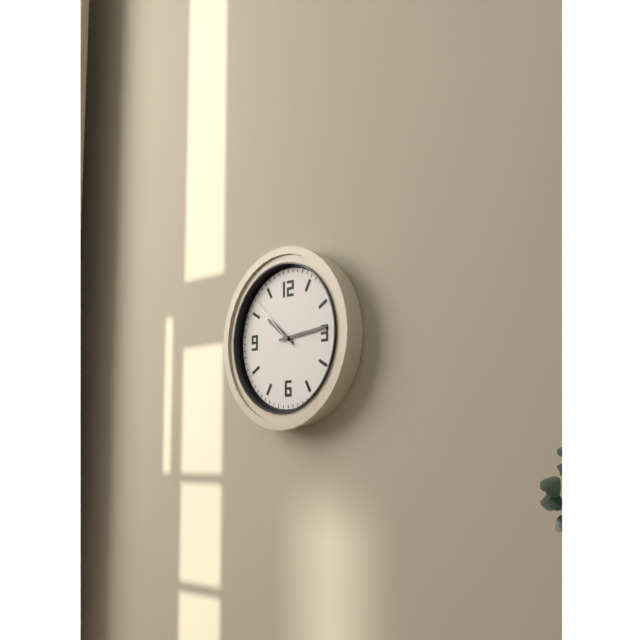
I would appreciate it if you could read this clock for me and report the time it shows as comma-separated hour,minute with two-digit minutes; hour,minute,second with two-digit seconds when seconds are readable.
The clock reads 10,14,52
